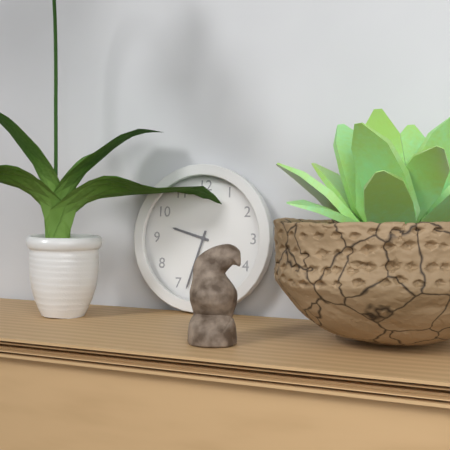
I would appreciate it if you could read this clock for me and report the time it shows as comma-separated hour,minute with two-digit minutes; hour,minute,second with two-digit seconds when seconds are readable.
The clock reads 9,33
